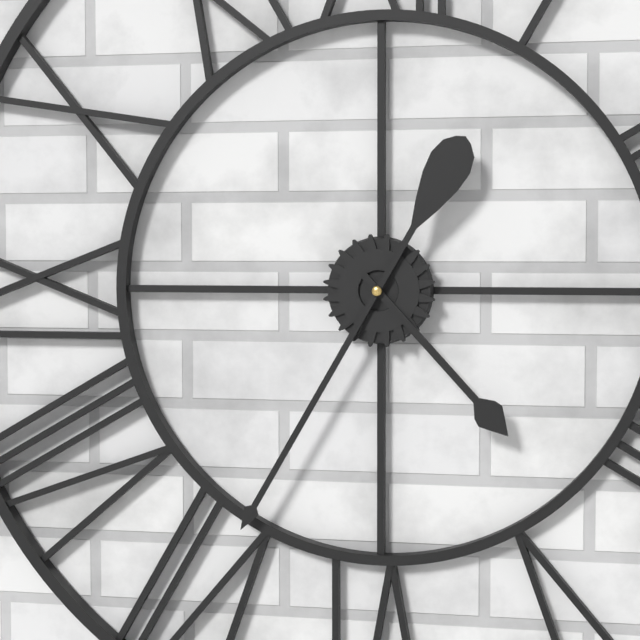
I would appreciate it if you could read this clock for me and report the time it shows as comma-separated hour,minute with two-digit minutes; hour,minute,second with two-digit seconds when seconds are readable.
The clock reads 4,35
